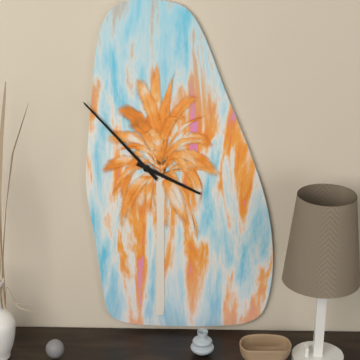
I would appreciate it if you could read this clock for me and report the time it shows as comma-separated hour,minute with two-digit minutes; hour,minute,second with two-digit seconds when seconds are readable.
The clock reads 3,53
